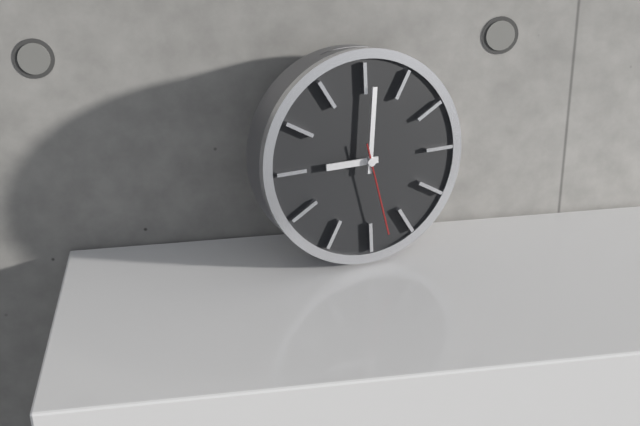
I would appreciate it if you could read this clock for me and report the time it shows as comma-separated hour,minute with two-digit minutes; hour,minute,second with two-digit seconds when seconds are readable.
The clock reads 9,01,28
